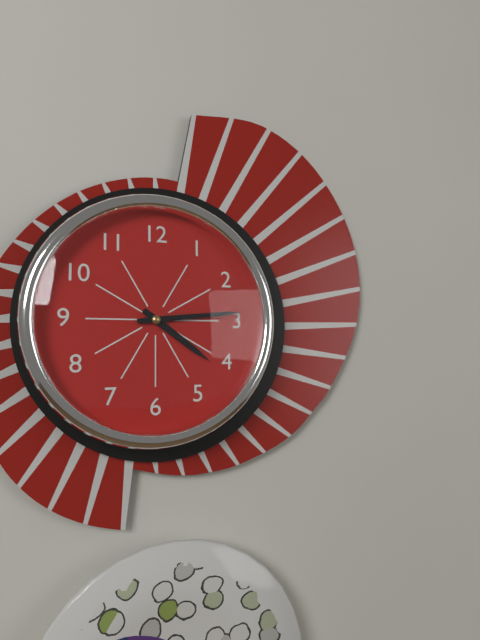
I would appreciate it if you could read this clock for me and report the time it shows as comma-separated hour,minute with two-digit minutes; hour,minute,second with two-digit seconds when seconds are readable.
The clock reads 4,14
